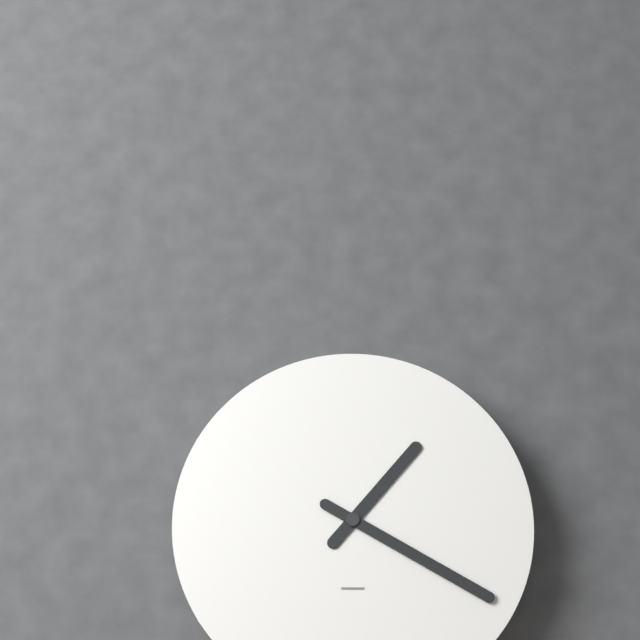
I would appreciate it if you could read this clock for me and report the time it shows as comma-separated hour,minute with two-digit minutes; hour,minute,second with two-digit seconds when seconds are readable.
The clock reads 1,20
